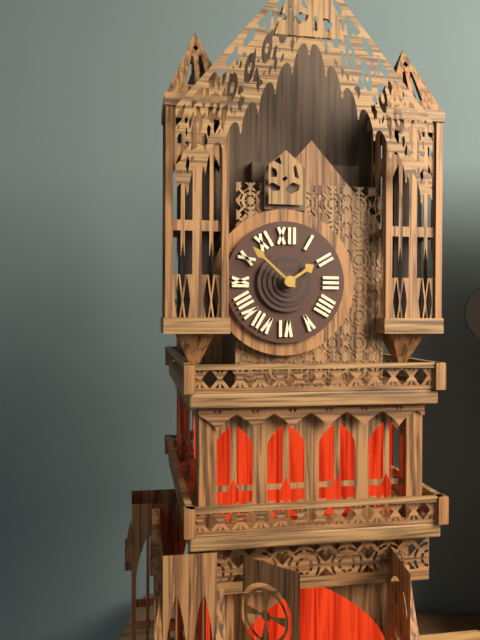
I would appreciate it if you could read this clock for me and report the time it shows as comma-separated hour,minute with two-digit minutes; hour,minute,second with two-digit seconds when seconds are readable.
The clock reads 1,52
